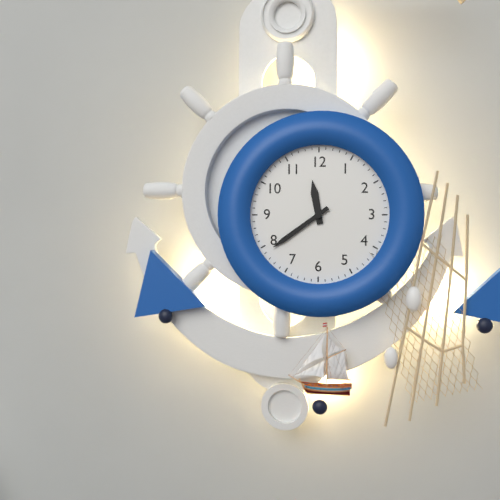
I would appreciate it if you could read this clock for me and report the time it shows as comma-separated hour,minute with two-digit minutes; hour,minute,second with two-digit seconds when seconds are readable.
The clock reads 11,39
